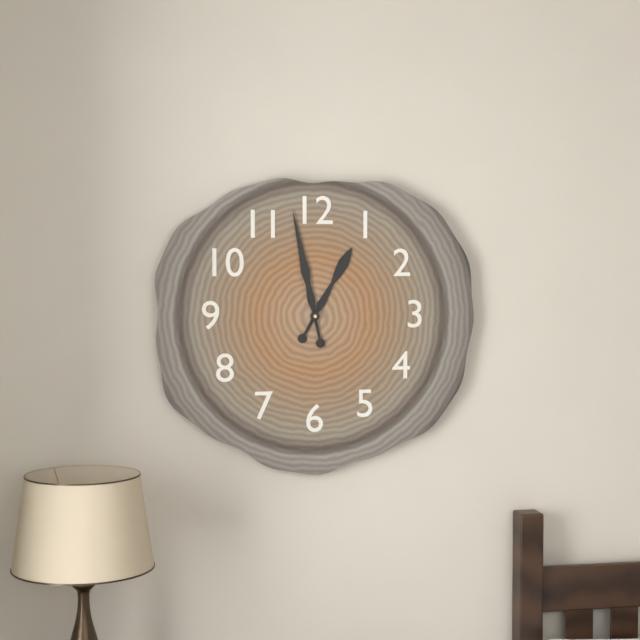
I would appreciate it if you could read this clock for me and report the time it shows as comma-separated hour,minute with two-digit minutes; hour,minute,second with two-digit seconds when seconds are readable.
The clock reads 12,58
